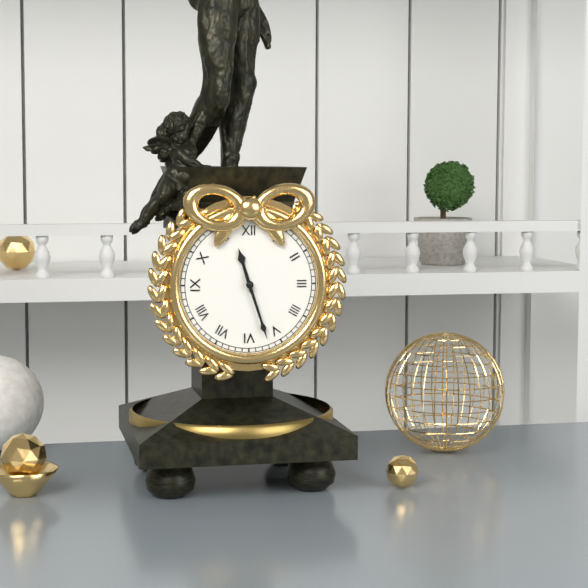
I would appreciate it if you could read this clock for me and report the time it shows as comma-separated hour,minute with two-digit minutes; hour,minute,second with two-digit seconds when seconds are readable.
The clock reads 11,27
